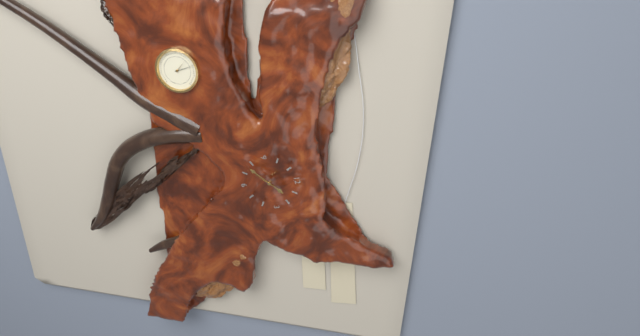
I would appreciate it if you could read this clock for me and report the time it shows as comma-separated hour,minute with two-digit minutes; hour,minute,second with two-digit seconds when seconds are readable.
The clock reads 1,38
